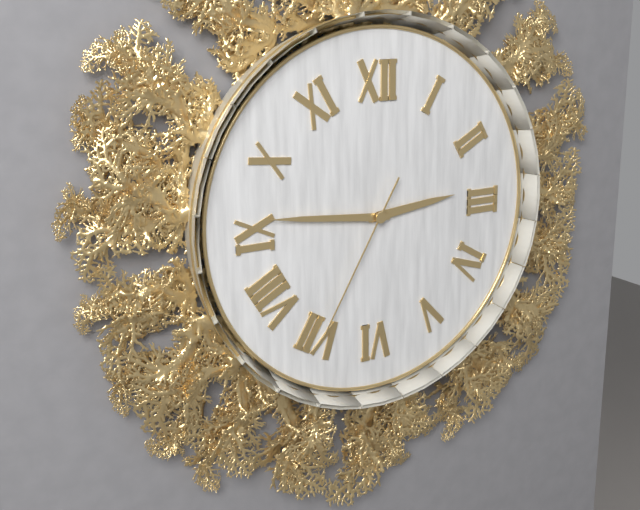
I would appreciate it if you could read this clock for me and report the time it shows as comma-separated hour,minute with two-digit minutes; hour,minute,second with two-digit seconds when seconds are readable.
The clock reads 2,46,35
